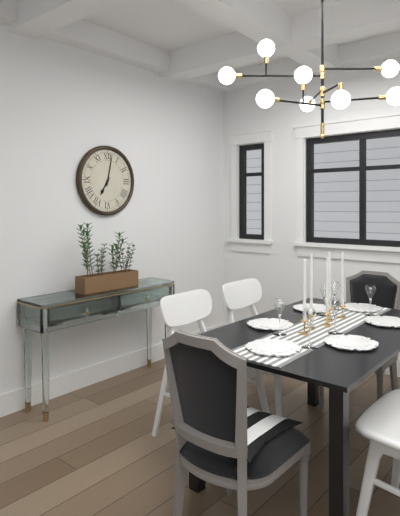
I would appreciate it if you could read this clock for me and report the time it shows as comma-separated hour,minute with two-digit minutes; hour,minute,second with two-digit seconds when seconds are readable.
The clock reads 7,02
